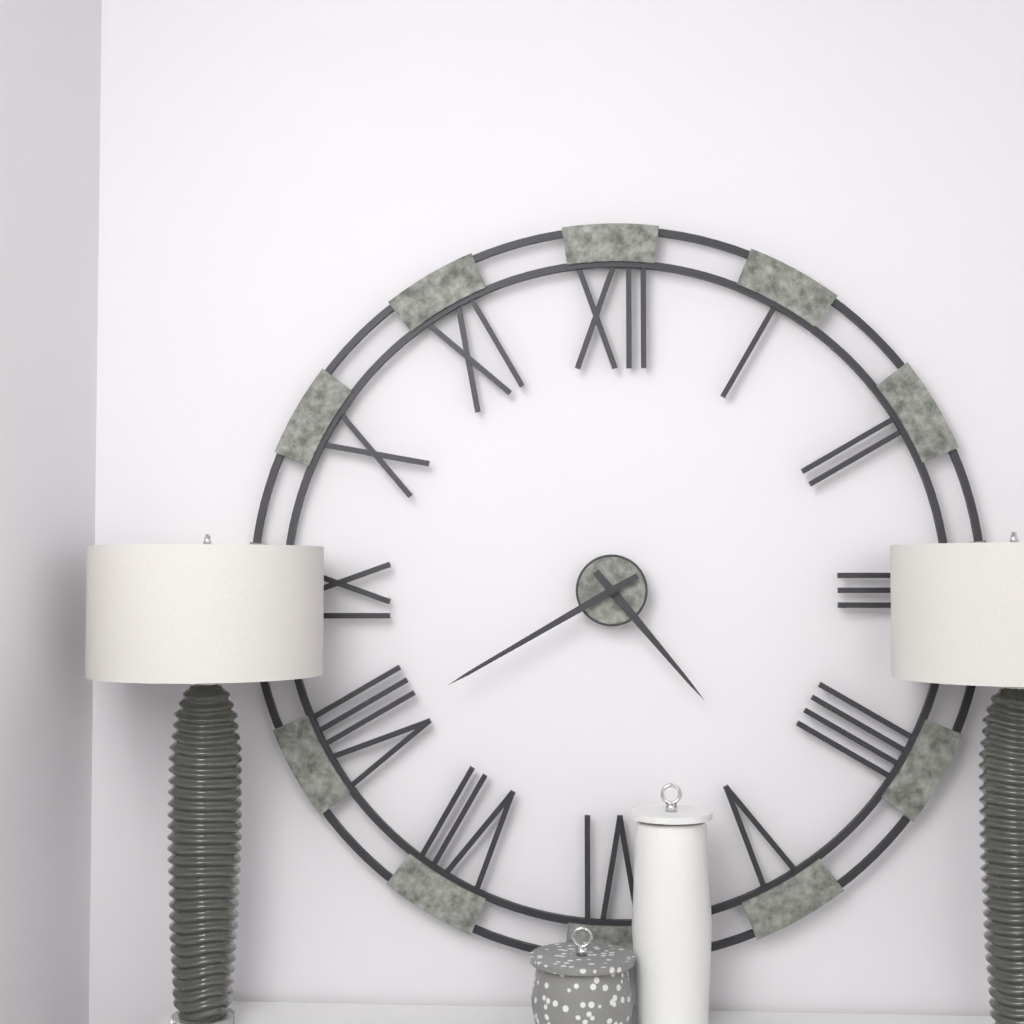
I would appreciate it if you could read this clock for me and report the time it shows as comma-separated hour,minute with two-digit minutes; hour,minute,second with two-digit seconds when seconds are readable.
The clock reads 4,40
